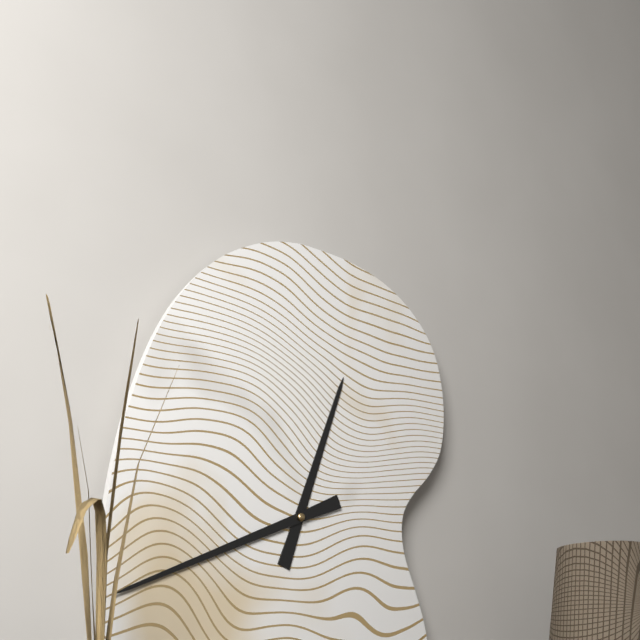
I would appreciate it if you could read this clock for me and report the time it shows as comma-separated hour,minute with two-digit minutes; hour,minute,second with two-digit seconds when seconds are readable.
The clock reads 12,41
